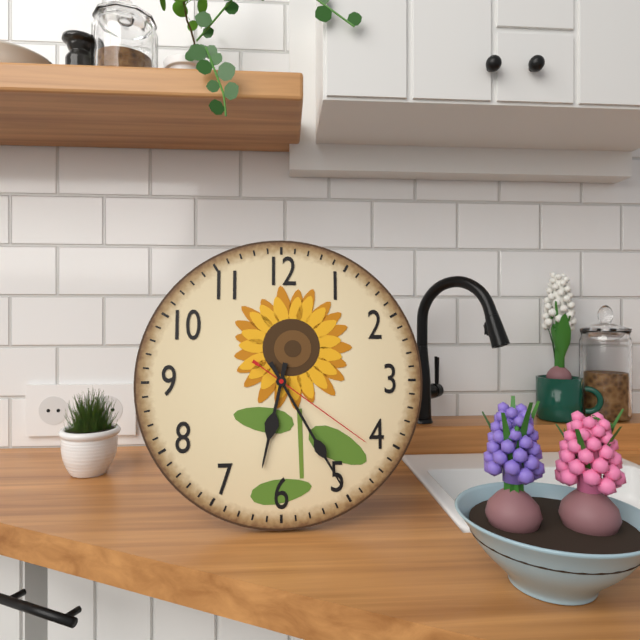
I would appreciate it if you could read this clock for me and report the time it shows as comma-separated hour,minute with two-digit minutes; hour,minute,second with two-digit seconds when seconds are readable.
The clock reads 6,25,21
